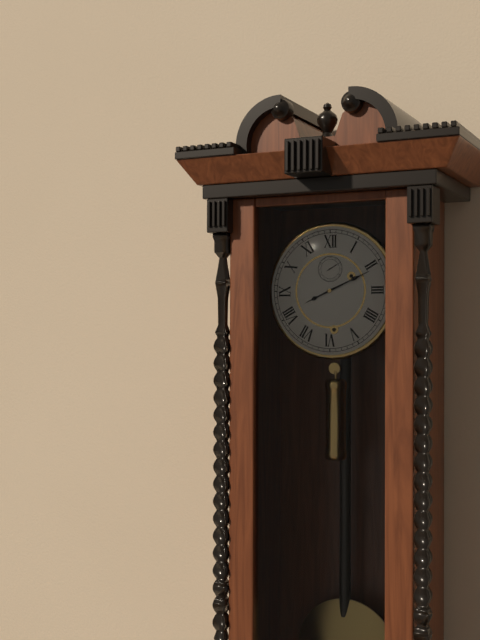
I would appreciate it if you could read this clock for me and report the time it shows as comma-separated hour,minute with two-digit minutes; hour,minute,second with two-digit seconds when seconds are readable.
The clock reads 8,11
